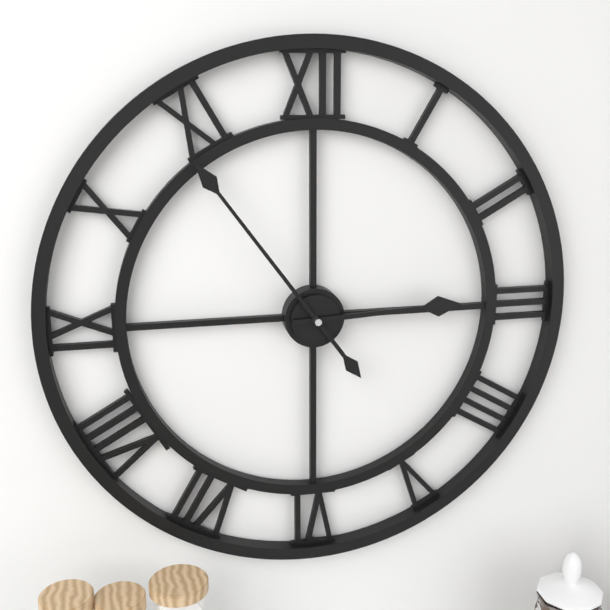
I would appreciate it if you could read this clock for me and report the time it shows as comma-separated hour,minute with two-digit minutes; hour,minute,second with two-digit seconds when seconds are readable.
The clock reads 2,54
